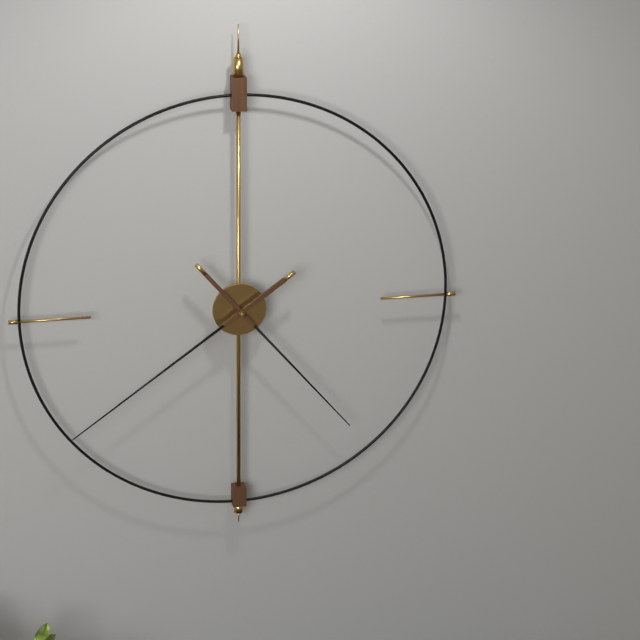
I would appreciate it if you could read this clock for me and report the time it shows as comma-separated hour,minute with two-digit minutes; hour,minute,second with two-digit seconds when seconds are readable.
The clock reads 4,39
